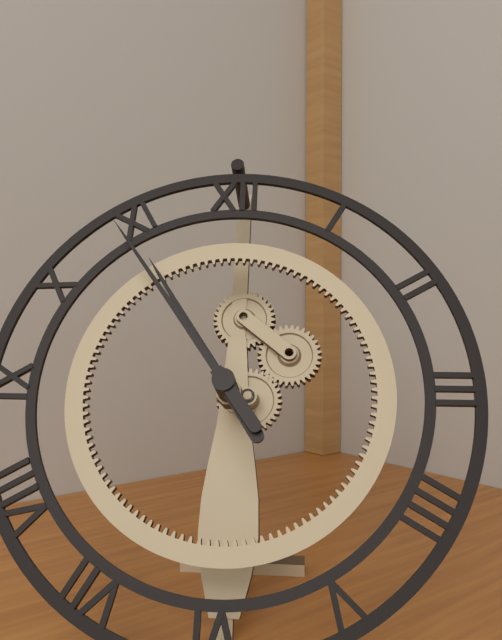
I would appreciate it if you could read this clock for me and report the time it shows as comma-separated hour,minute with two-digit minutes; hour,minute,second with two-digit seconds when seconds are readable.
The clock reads 10,54
